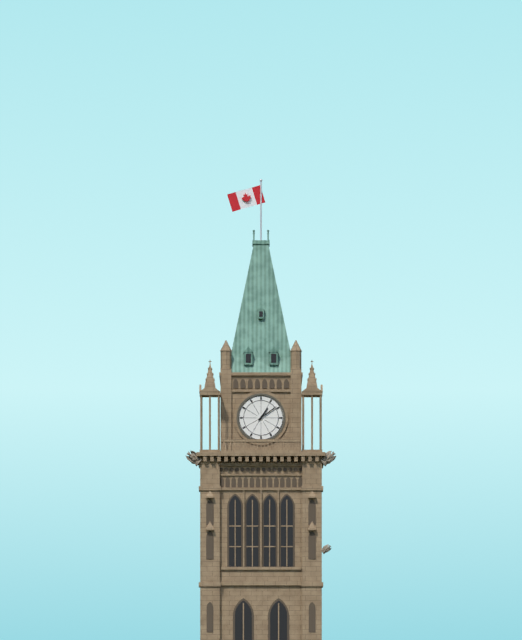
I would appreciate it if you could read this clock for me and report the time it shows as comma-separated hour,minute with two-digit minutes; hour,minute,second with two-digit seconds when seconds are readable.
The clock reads 1,09
